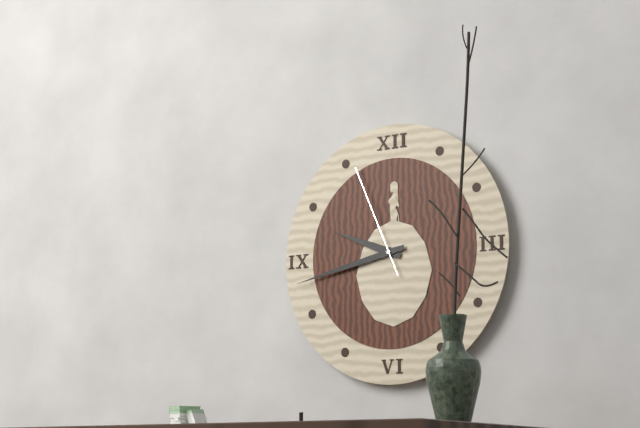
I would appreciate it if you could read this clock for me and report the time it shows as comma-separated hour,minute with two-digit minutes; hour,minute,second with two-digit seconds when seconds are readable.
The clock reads 9,43,56
